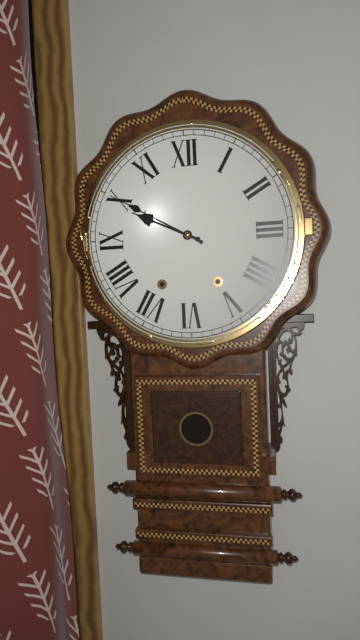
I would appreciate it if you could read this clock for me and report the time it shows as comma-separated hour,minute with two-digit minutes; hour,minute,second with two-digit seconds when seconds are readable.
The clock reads 9,50
